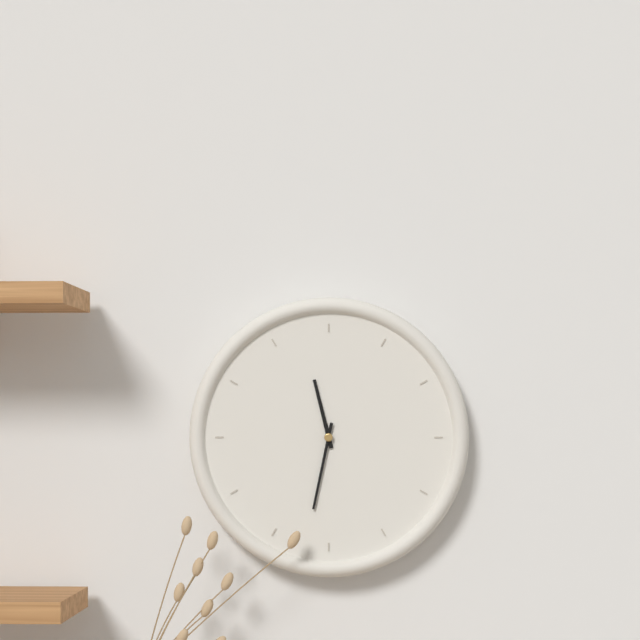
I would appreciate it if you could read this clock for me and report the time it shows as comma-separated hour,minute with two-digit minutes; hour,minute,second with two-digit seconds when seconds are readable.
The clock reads 11,32
